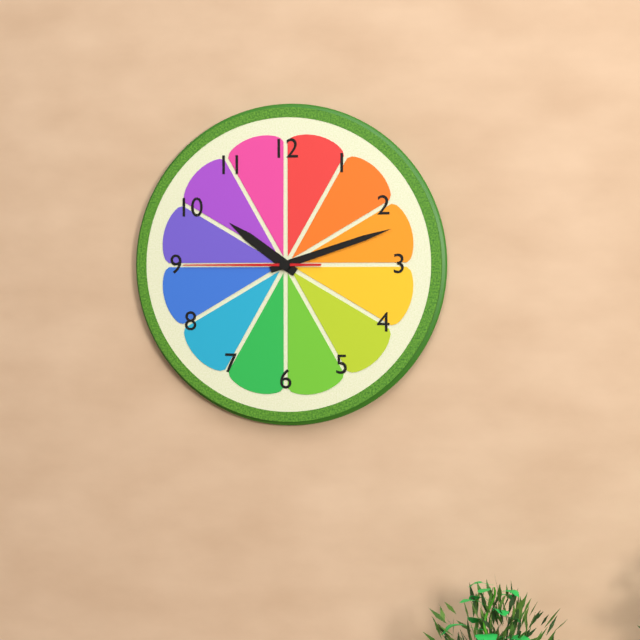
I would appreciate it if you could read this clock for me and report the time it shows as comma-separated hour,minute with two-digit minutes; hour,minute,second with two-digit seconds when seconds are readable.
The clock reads 10,12,45
